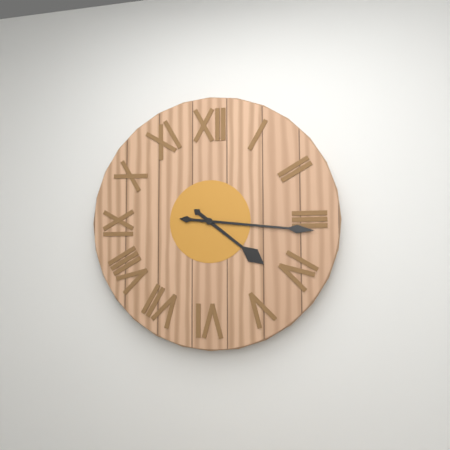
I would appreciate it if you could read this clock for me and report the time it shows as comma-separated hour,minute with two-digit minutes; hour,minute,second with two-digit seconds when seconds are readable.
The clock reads 4,16
